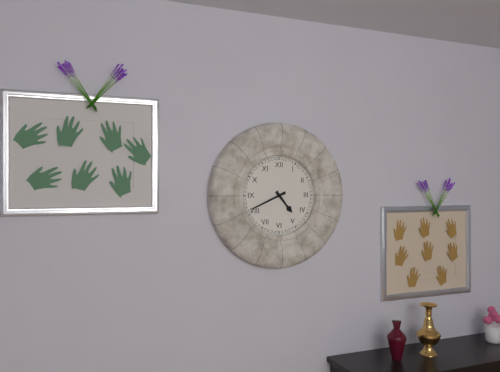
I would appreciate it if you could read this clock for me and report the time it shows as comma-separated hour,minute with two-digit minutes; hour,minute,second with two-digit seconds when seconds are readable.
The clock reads 4,41
